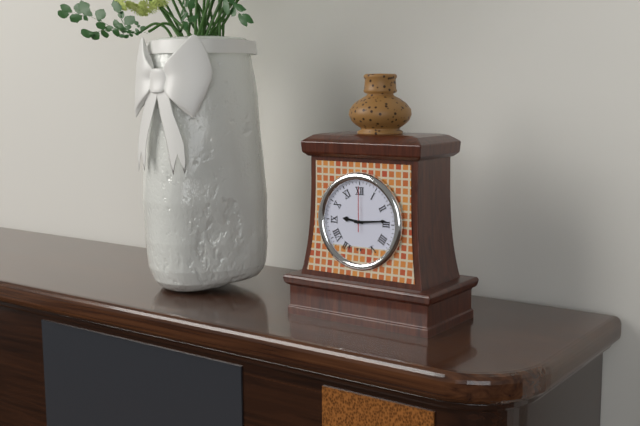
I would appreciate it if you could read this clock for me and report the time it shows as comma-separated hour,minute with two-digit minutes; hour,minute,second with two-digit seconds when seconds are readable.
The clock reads 9,14
